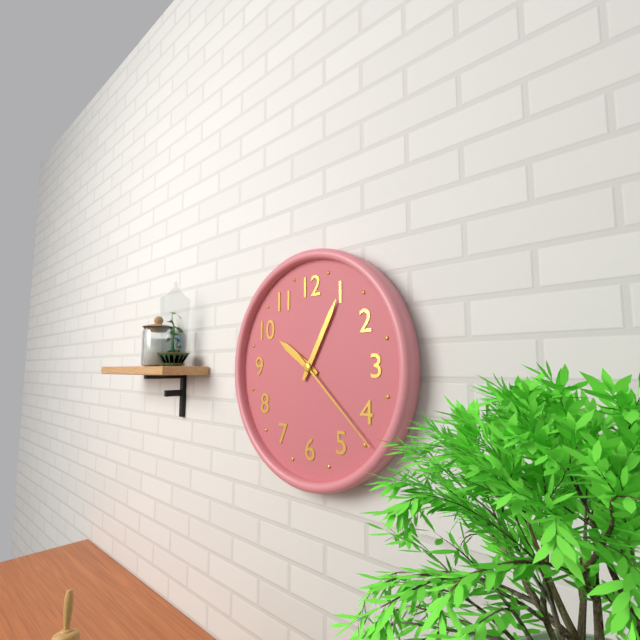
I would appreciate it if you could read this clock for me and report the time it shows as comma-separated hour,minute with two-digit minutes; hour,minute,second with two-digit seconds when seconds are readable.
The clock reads 10,05,22
